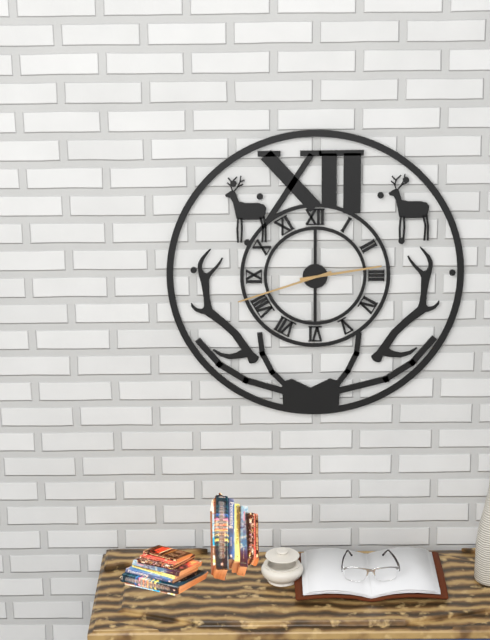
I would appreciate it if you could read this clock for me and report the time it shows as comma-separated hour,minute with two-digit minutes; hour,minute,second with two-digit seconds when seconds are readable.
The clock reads 2,42
